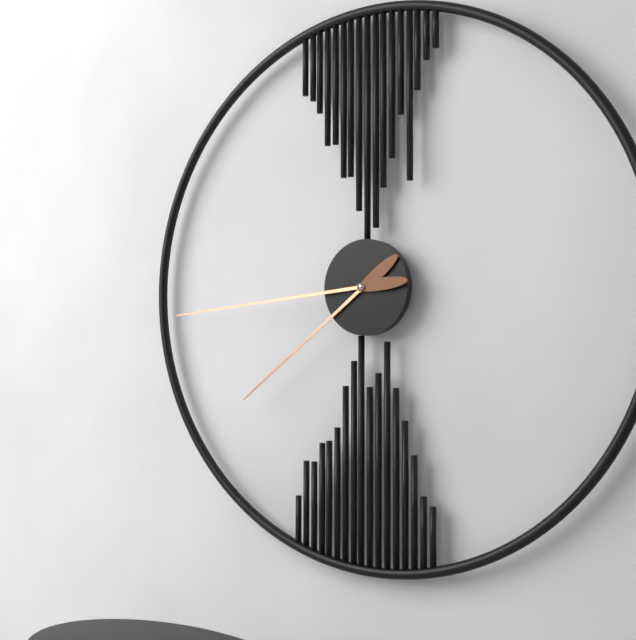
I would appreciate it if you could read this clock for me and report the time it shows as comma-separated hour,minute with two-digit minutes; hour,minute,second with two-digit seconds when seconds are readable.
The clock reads 7,44
